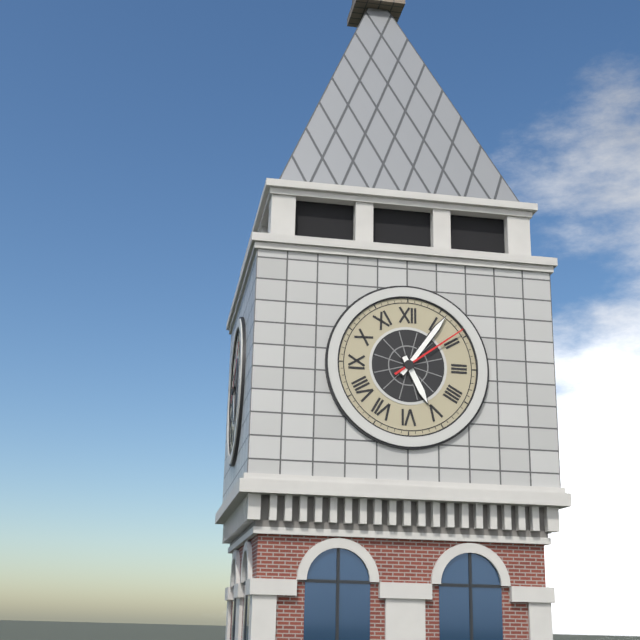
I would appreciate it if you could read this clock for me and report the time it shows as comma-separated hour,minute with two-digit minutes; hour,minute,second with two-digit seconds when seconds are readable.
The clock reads 5,06,09
